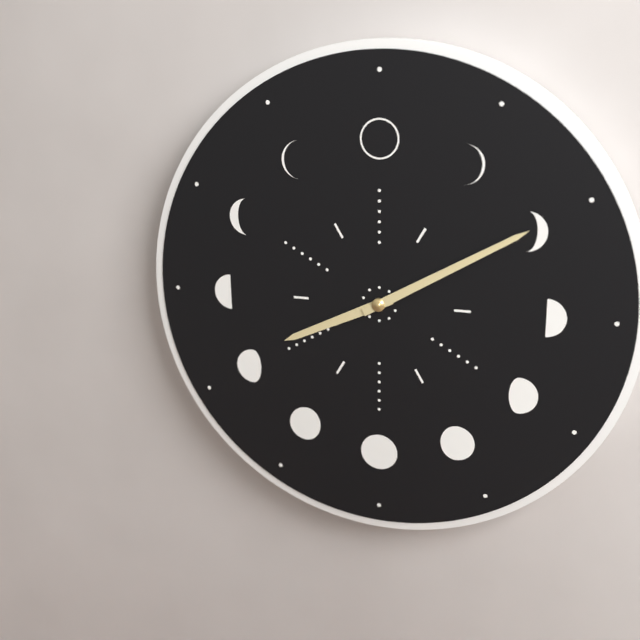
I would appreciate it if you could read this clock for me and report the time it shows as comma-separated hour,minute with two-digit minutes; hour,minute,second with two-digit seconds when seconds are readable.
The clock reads 8,10
